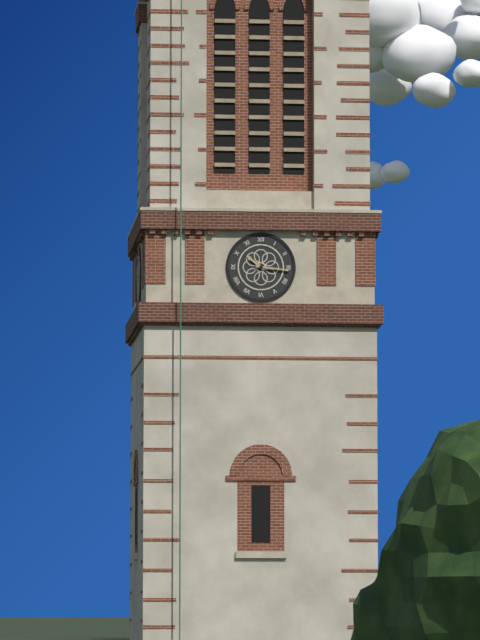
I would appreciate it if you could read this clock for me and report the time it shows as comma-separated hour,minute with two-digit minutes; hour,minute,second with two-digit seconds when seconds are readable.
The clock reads 10,16
